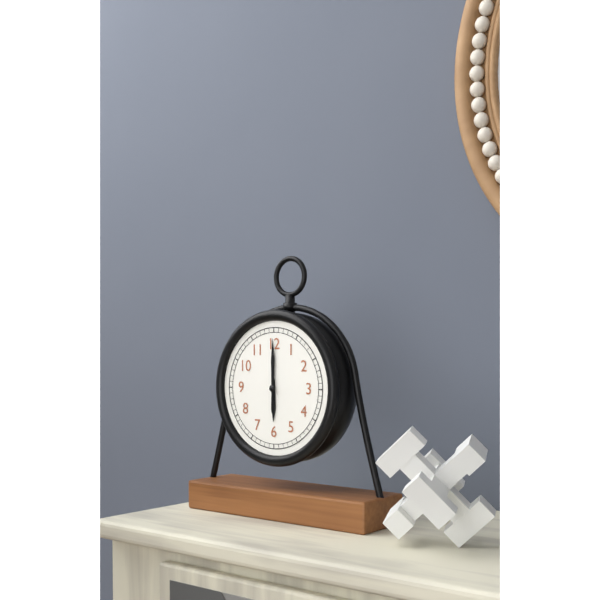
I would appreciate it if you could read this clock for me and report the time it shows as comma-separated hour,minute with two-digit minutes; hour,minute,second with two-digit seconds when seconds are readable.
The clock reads 6,00
